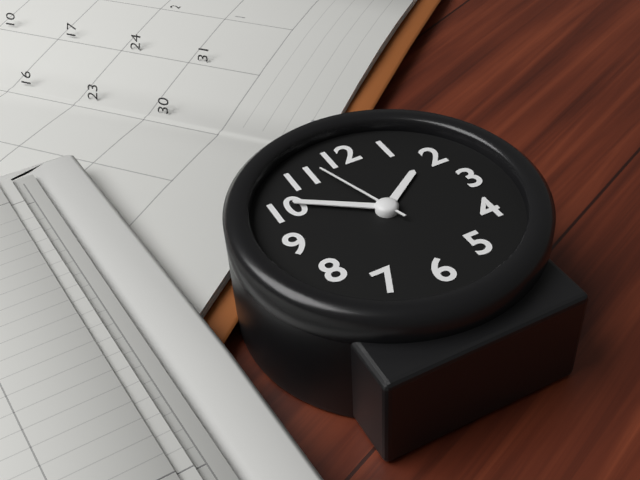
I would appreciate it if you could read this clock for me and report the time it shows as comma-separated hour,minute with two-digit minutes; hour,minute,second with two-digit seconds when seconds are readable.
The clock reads 1,51,57
